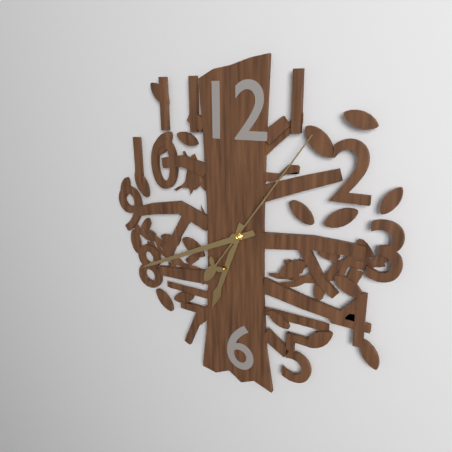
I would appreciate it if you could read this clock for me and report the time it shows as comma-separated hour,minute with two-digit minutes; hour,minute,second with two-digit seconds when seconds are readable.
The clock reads 6,41,06
